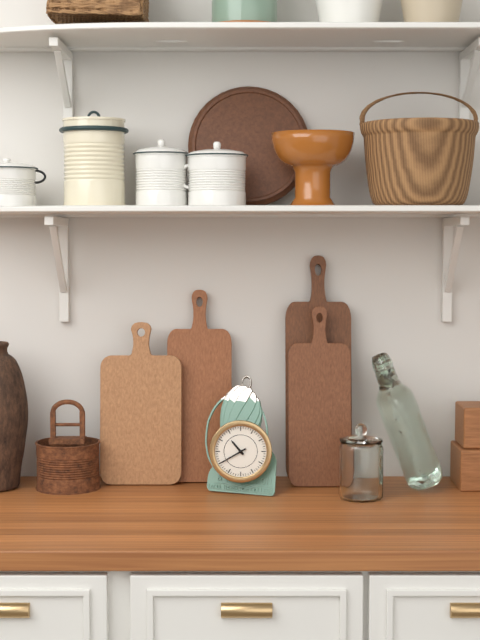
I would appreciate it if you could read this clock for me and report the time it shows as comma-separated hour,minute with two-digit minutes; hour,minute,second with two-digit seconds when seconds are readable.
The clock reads 10,40
